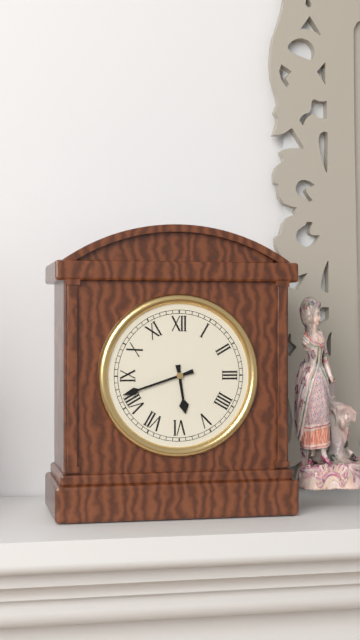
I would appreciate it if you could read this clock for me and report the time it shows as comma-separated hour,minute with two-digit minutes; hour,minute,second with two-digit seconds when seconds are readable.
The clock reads 5,42
